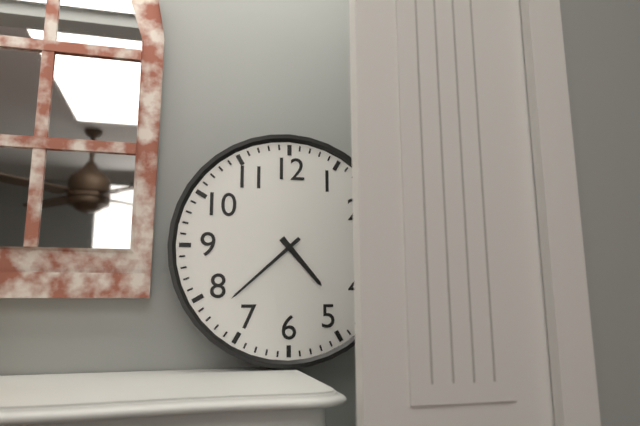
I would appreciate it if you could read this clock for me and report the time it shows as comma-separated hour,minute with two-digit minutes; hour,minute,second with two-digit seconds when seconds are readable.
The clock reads 4,38
